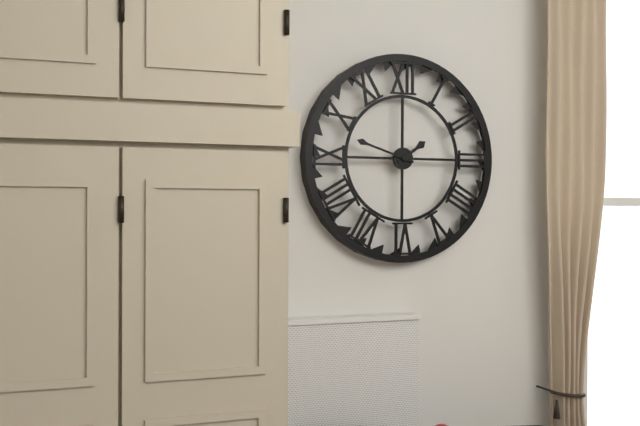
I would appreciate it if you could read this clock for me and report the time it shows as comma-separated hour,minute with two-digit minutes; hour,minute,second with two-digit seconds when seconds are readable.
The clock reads 1,48
